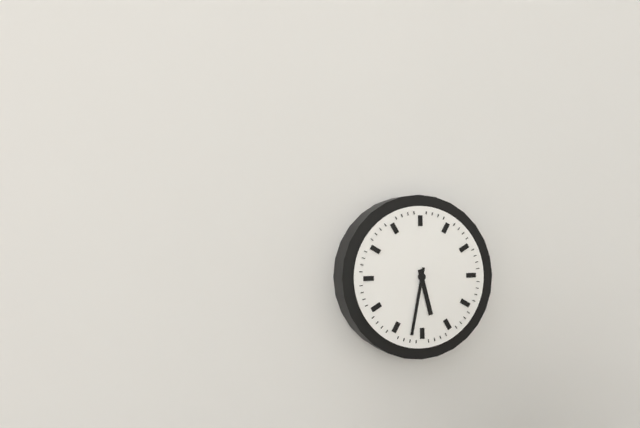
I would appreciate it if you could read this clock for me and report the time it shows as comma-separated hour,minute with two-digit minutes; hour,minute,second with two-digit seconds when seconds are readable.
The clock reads 5,32
